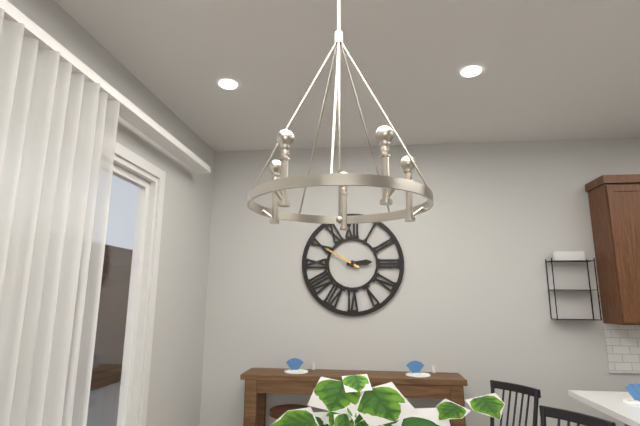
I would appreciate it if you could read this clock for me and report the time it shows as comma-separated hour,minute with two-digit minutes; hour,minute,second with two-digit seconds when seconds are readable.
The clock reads 2,50
